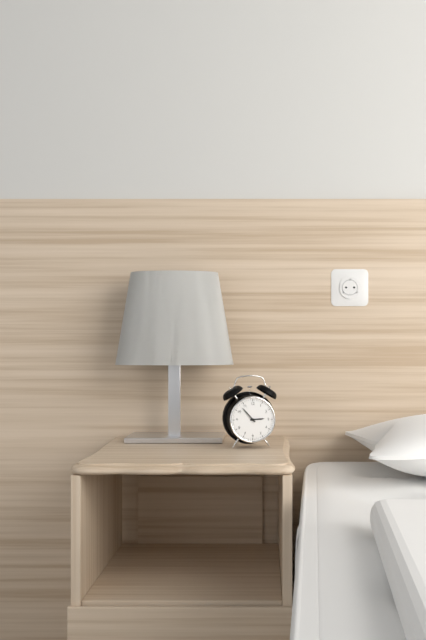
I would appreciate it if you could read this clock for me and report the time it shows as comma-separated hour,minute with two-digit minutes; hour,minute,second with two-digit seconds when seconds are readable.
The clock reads 2,53
